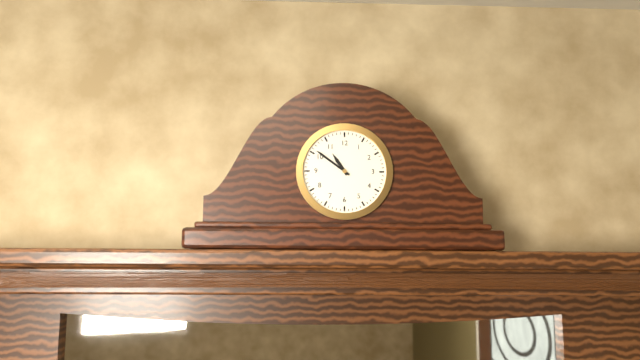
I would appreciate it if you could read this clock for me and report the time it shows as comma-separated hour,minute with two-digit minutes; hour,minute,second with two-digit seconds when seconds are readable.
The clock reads 10,51
